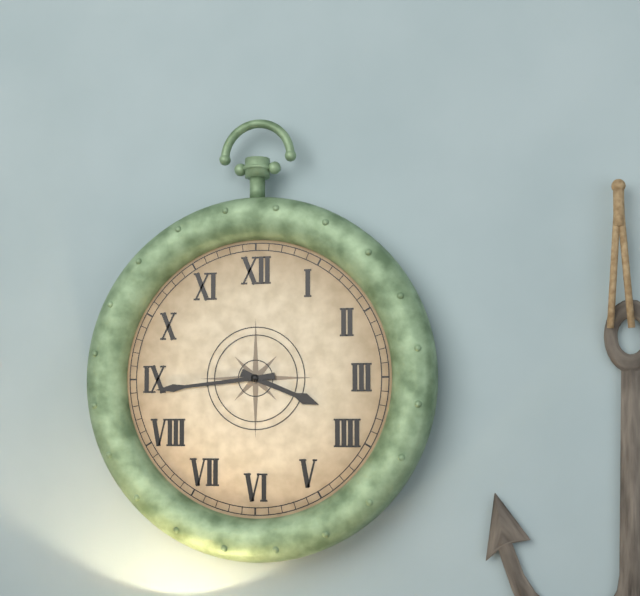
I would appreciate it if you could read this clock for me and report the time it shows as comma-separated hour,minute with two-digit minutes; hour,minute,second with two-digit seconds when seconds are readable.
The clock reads 3,44
